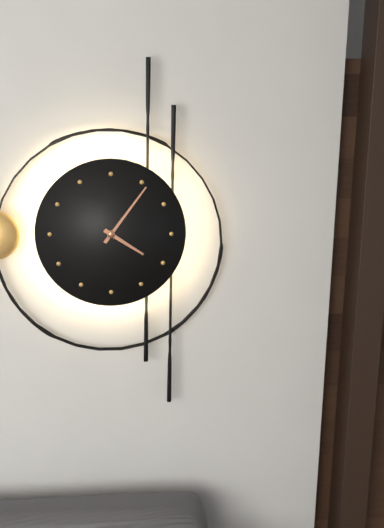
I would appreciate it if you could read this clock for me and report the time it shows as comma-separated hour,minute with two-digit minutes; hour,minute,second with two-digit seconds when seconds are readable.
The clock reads 4,06
